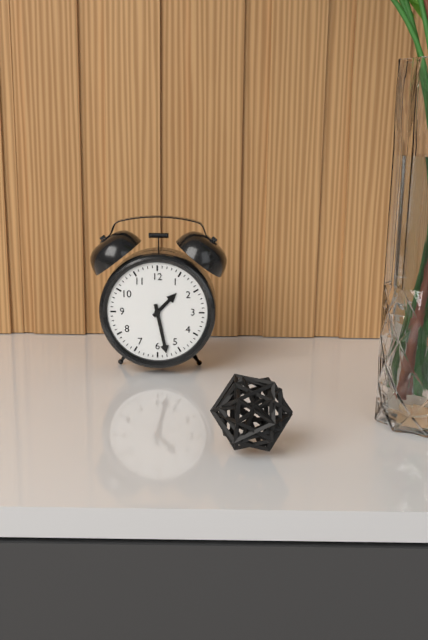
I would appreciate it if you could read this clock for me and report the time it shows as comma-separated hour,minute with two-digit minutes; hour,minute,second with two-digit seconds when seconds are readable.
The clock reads 1,28
